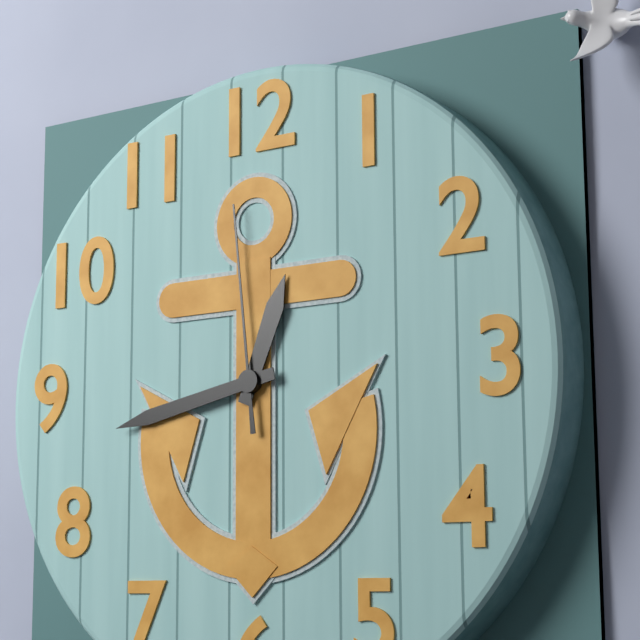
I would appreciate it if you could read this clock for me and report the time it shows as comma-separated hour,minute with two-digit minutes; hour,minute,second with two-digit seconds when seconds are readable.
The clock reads 12,43,59
